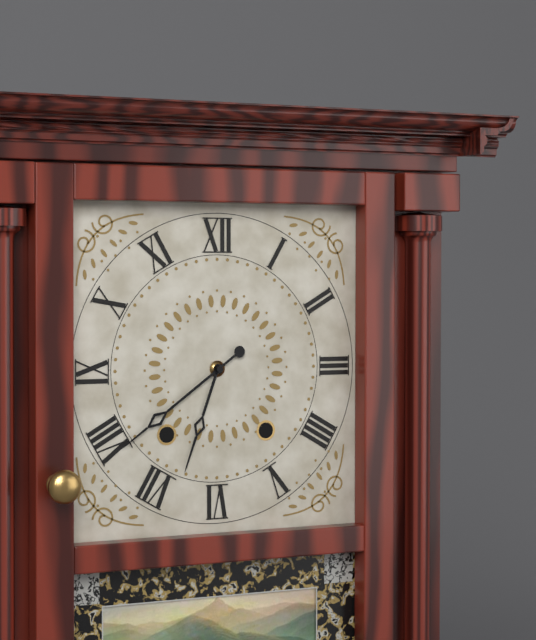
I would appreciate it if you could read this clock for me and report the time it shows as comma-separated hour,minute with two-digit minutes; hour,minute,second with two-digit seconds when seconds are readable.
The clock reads 6,39
